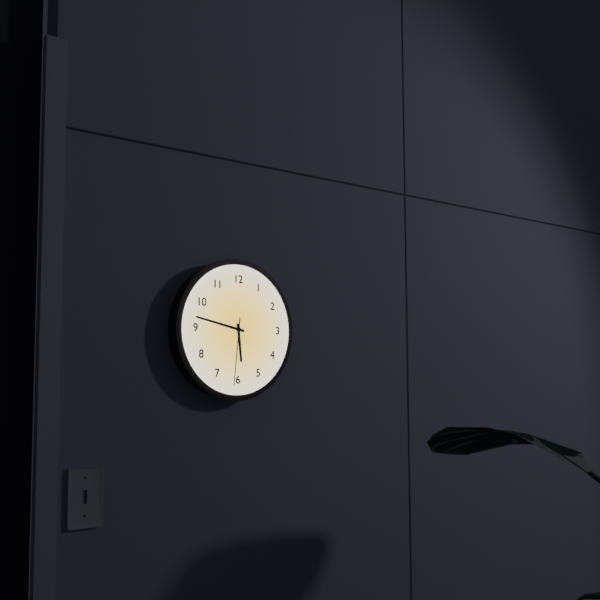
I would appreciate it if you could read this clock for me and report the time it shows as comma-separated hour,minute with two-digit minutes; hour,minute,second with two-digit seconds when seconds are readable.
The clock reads 5,47,31
